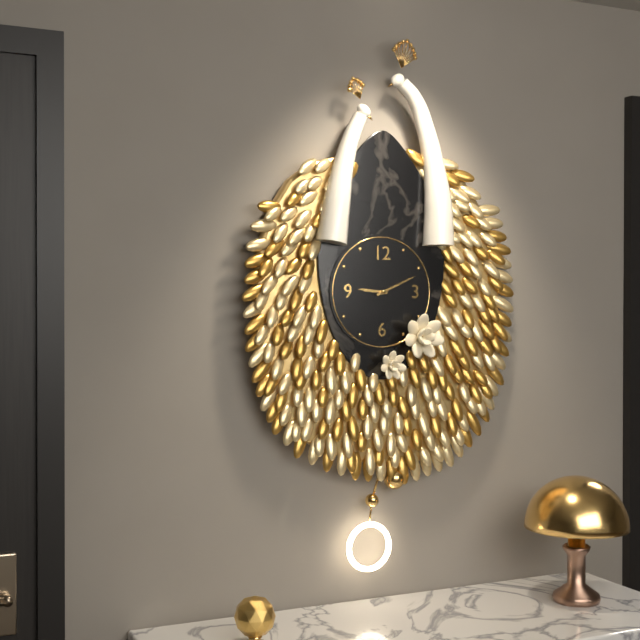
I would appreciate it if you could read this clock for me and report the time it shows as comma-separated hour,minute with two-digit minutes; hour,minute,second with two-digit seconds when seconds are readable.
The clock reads 9,11
